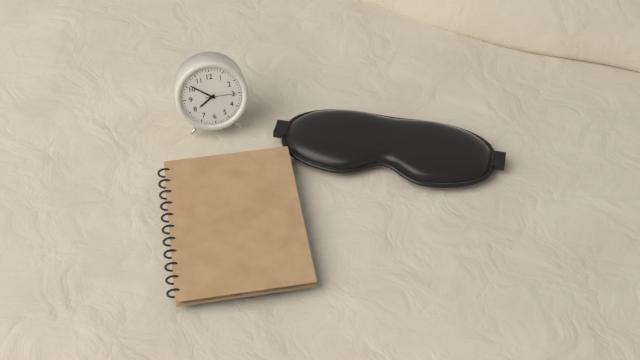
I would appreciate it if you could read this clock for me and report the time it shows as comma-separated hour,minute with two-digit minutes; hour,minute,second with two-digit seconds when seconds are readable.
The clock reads 7,51
